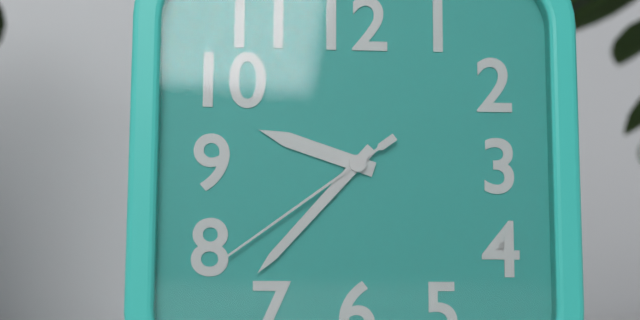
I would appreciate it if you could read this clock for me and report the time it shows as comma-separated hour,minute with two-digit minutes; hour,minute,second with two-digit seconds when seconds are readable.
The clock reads 9,37,39
